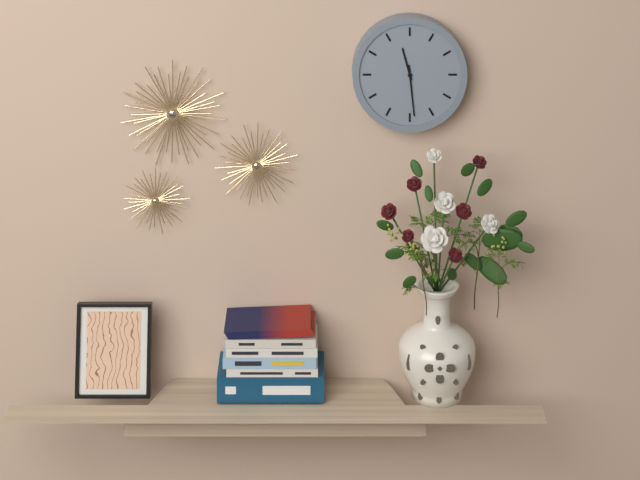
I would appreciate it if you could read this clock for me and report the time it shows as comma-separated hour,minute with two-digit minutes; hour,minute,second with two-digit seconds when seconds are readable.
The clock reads 11,29
